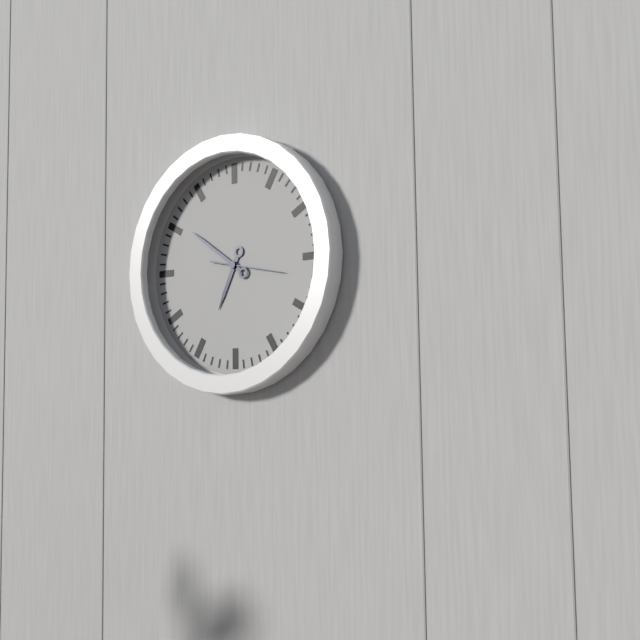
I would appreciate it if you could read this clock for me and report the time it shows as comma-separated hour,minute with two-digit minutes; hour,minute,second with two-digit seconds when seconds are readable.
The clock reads 6,51,17
